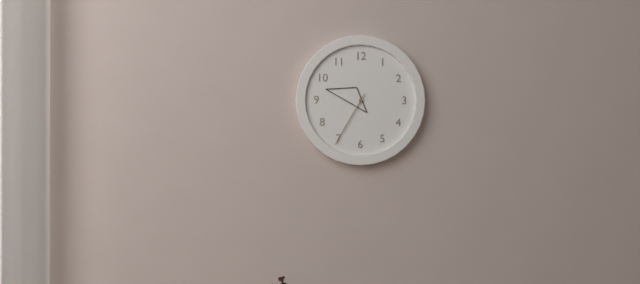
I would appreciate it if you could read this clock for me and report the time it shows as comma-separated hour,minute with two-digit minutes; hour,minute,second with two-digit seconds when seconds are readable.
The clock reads 9,35
